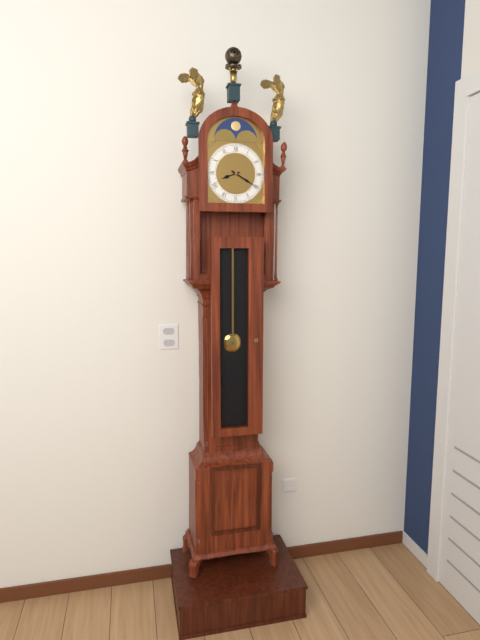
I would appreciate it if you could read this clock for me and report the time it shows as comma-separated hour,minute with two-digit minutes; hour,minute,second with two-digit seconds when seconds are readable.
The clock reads 8,20
